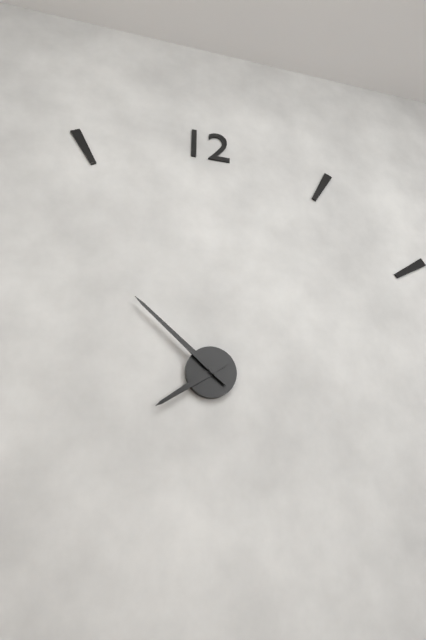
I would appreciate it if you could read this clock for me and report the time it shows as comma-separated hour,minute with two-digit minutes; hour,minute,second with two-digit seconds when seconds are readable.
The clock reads 7,52
